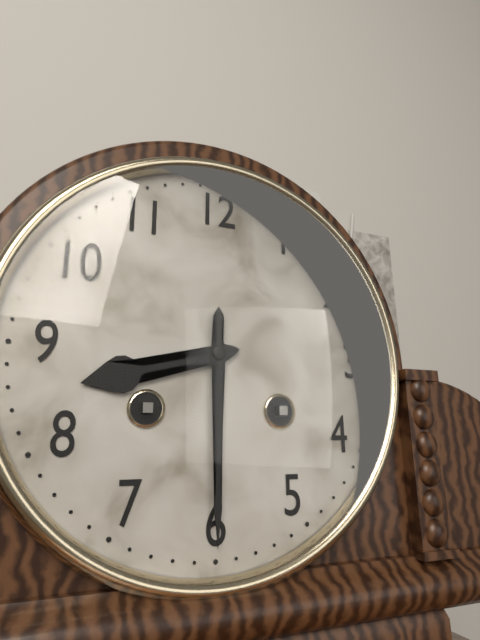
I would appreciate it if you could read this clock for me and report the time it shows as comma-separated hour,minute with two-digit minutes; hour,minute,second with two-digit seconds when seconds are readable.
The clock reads 8,30
